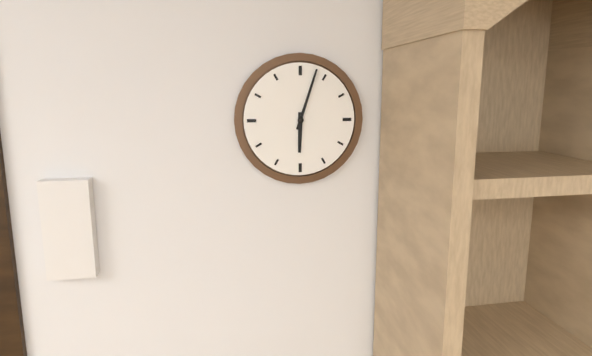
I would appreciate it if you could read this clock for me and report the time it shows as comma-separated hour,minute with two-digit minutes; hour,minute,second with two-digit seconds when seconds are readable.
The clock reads 6,03
